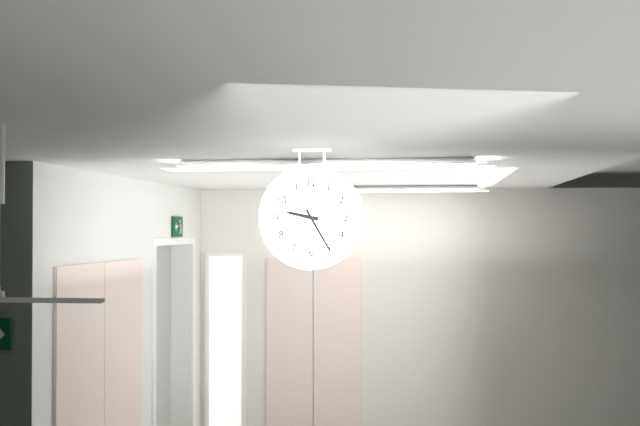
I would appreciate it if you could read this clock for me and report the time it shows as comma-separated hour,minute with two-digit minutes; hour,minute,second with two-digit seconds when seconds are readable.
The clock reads 9,25
